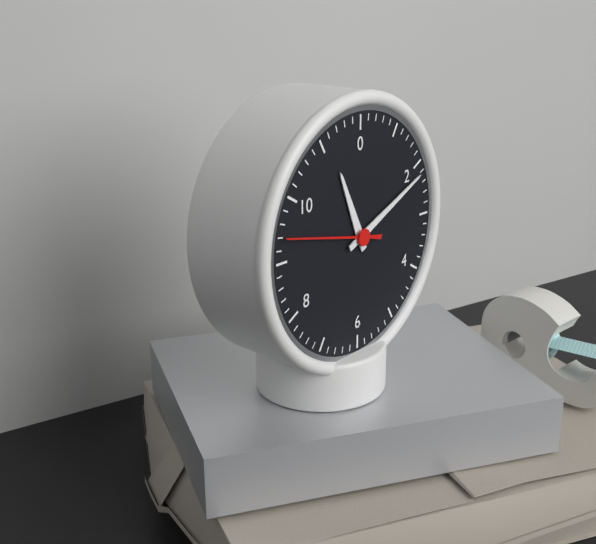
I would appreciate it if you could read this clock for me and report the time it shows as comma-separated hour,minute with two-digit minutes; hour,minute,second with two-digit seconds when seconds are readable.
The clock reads 11,11,47
